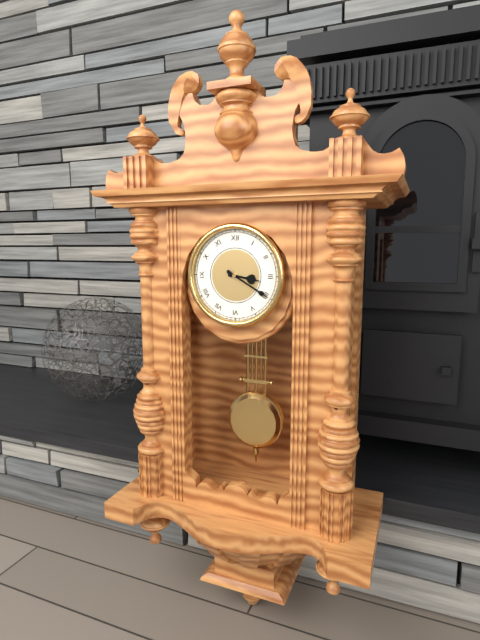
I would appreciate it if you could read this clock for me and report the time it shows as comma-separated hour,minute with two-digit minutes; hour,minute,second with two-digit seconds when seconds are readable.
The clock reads 3,20
